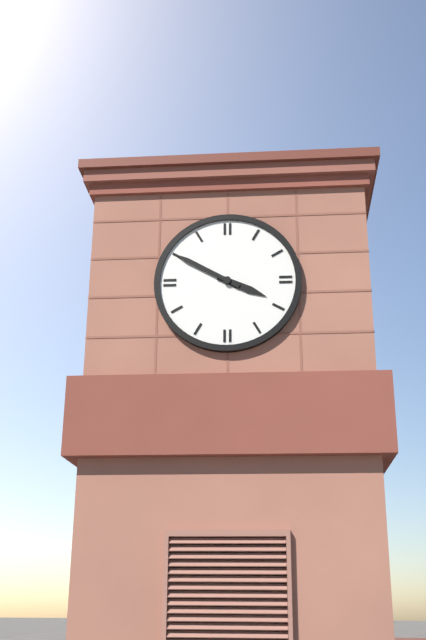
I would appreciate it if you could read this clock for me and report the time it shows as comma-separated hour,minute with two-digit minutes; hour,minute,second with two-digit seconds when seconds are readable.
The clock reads 3,50
